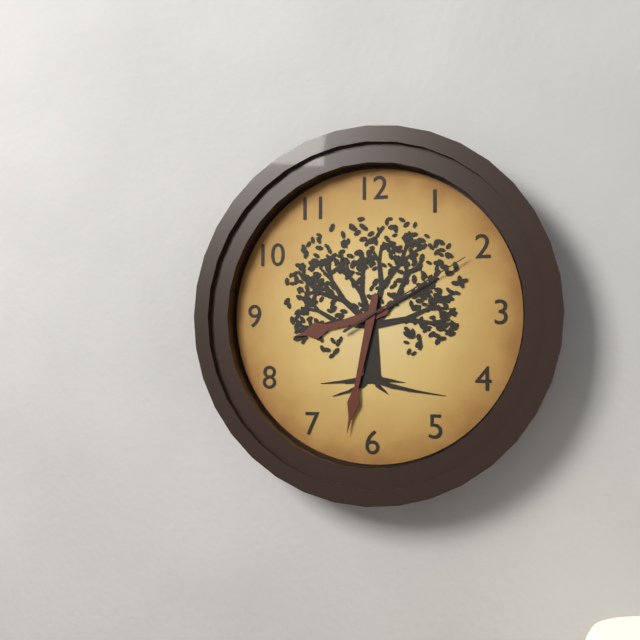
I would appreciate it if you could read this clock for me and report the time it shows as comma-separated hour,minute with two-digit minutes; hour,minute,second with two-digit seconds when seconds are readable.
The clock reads 8,32,10
